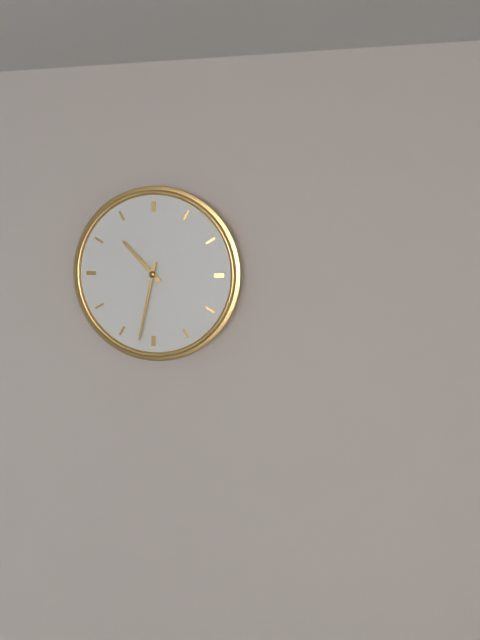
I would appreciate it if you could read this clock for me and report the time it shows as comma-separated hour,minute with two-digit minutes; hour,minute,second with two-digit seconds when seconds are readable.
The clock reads 10,32
